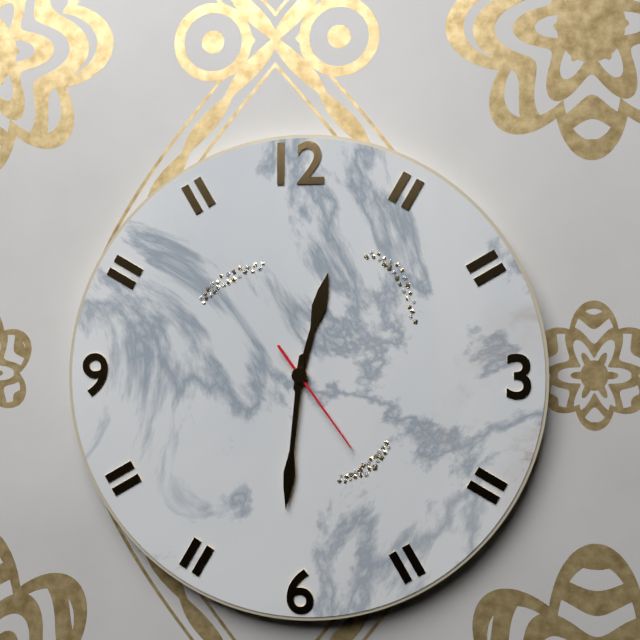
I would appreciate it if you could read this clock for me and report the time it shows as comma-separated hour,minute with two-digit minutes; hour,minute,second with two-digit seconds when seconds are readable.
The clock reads 12,31,24
